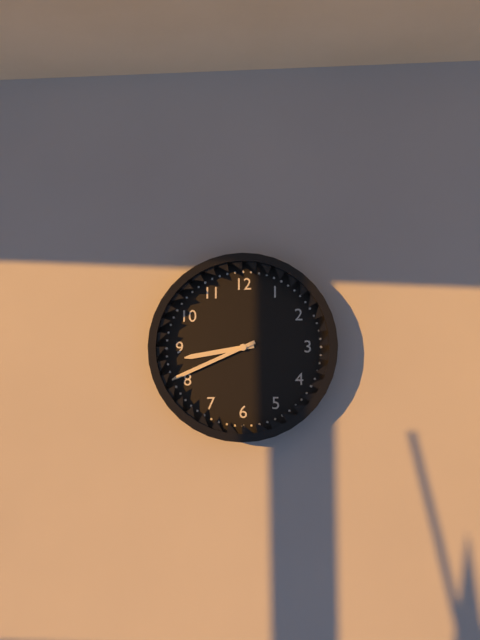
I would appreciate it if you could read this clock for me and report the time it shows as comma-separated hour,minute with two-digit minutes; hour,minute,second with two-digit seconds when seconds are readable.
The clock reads 8,41
